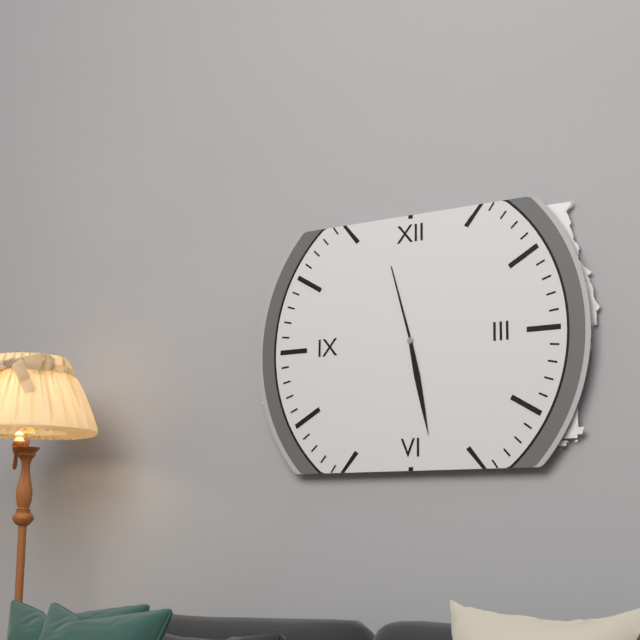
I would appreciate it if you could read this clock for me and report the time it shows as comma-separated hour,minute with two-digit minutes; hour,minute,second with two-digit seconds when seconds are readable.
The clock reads 11,28
